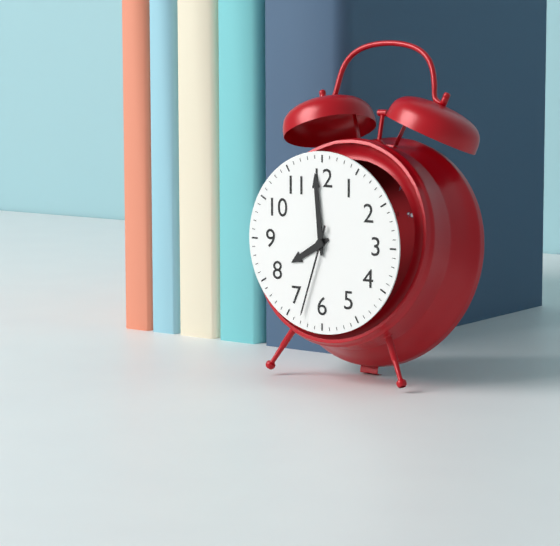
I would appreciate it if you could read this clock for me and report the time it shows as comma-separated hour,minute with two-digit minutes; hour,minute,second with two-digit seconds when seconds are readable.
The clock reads 7,59,33
